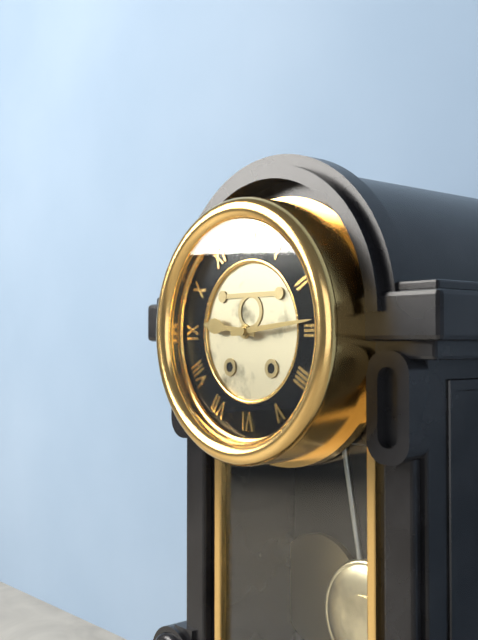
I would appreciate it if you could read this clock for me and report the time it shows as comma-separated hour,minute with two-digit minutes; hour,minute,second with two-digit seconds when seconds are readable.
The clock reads 9,14
